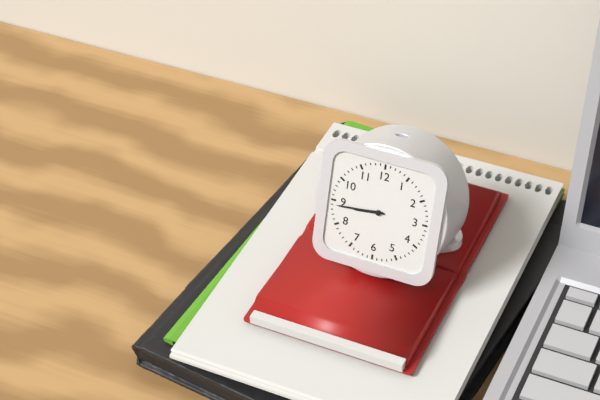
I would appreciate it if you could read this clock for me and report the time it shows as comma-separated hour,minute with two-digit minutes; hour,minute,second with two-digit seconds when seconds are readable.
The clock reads 8,44
